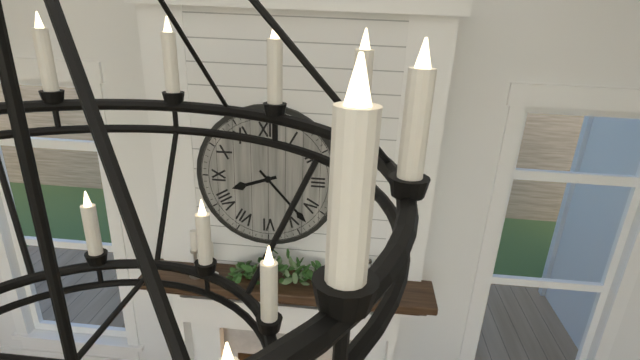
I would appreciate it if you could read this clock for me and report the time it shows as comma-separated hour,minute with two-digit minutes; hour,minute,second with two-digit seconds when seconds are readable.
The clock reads 8,23
